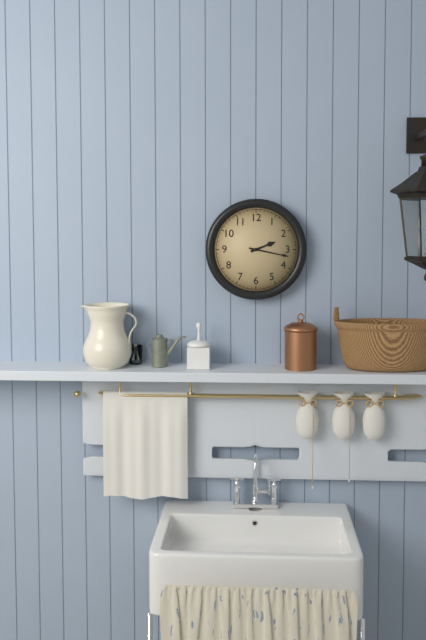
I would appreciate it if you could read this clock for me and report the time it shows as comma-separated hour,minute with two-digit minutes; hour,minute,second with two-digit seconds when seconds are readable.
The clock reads 2,17
